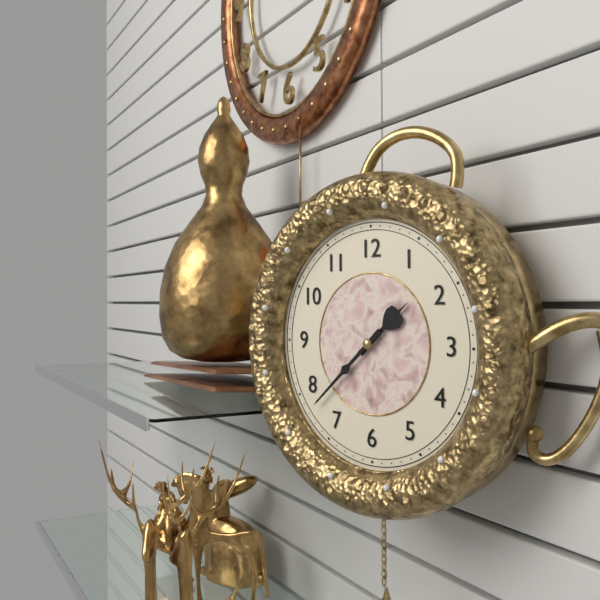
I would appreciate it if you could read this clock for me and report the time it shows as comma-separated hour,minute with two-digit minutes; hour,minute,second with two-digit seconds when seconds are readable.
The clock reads 1,38
